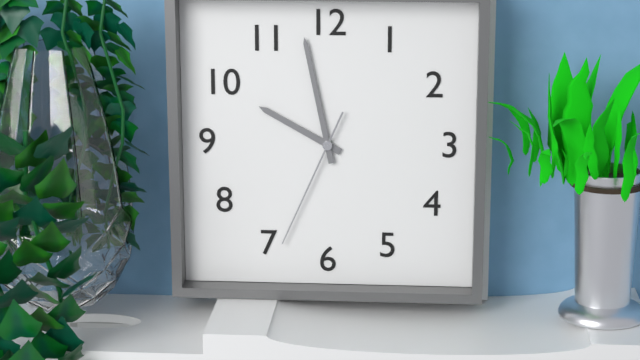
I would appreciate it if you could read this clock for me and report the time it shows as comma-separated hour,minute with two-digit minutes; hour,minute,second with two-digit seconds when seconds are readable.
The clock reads 9,58,34
